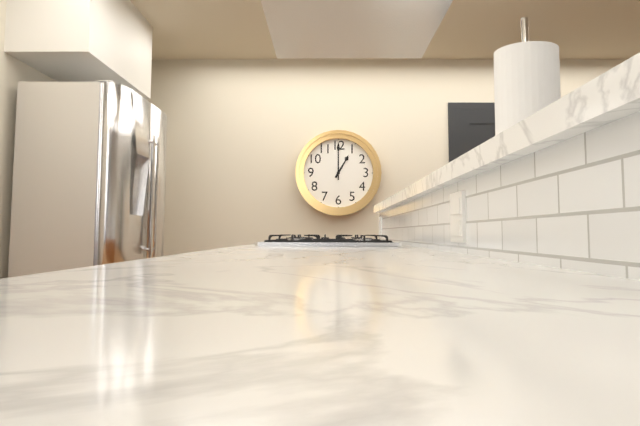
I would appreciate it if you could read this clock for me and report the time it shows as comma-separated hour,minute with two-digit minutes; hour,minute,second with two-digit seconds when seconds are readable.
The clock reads 1,00
